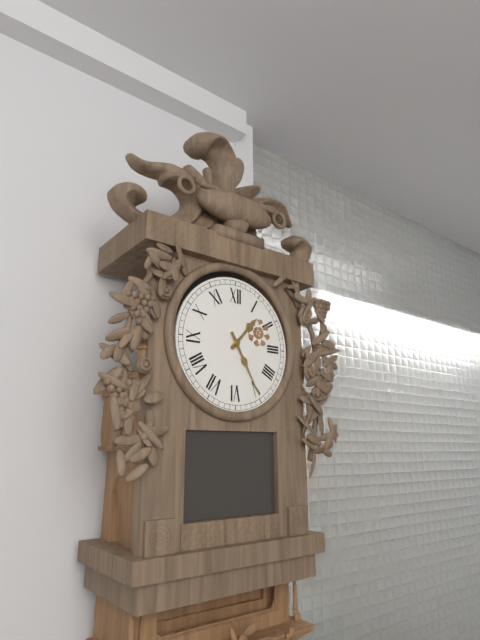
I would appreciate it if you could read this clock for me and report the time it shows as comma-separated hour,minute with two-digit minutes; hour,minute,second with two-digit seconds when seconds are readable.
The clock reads 1,25
